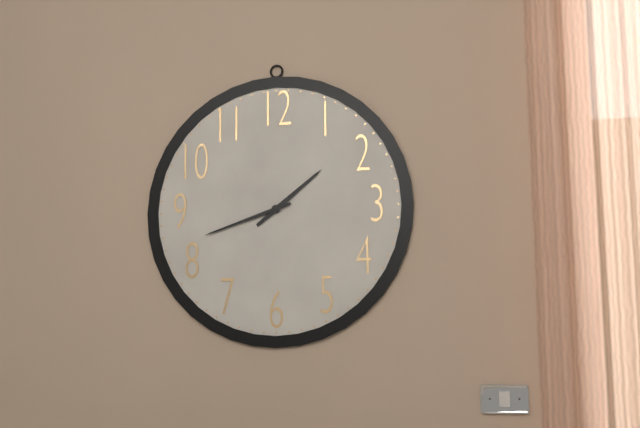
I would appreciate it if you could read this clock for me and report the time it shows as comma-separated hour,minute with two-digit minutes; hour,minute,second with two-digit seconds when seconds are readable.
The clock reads 1,42
